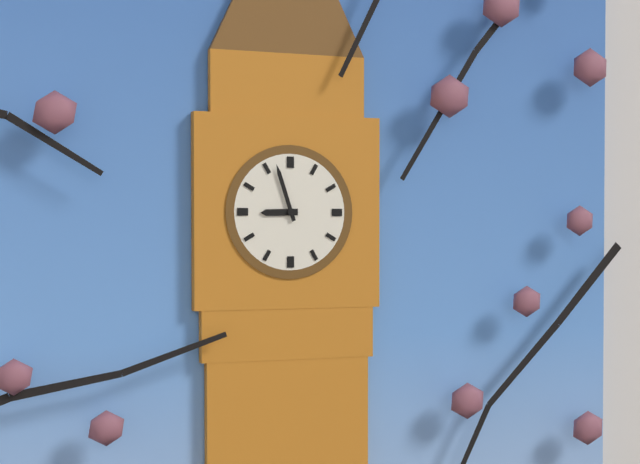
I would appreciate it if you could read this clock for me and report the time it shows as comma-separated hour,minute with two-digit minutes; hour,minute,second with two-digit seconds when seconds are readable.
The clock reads 8,57
